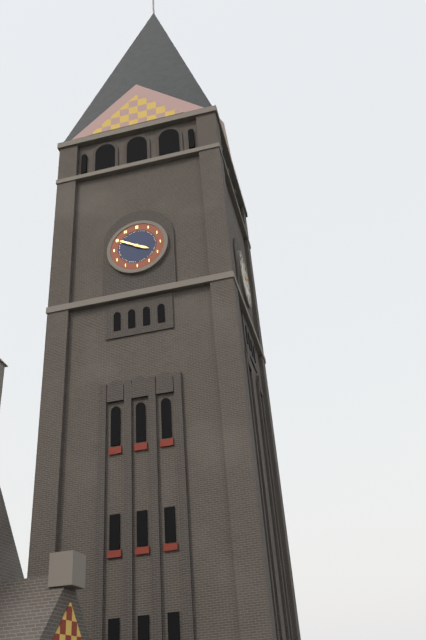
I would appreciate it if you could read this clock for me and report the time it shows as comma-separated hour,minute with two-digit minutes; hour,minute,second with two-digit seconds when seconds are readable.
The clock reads 3,50
